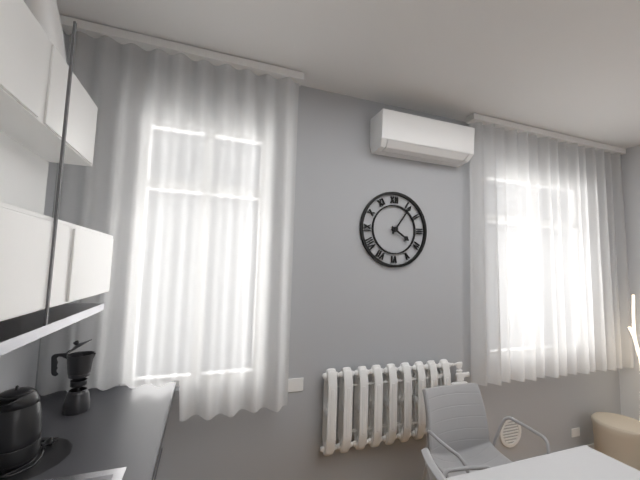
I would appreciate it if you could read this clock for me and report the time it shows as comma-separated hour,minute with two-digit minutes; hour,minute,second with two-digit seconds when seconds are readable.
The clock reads 4,06
